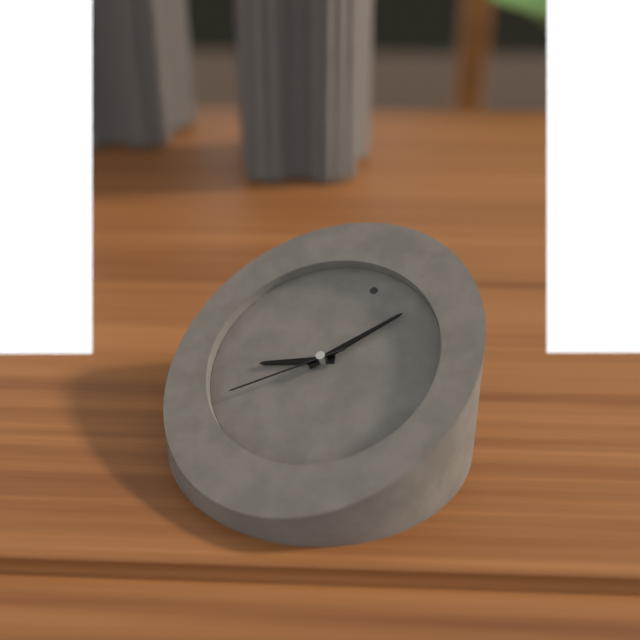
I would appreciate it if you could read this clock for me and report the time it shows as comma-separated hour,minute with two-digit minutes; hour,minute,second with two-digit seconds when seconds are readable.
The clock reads 8,05,37
